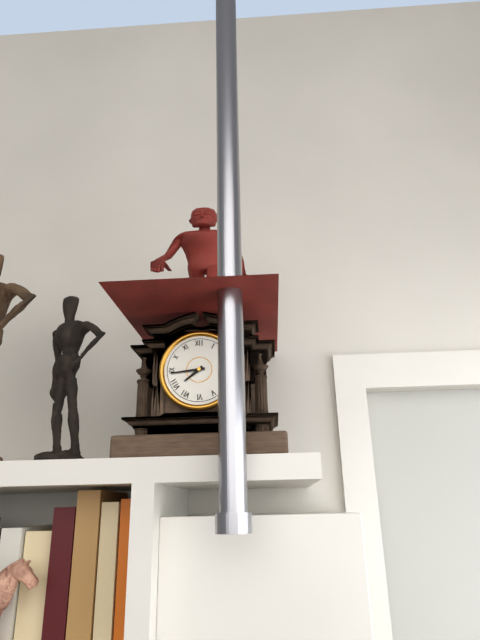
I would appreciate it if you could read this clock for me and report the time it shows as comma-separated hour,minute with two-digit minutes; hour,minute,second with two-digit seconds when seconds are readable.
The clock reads 7,44
